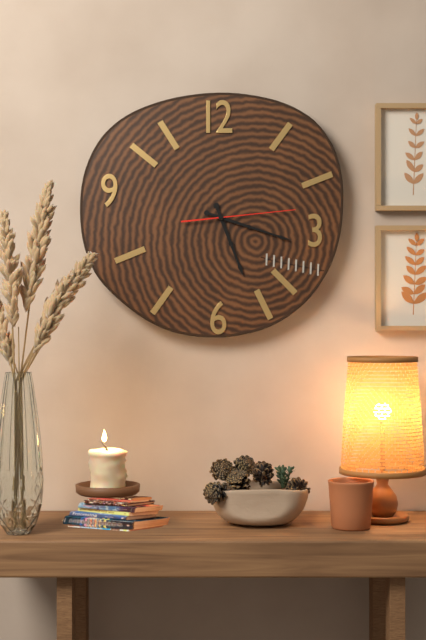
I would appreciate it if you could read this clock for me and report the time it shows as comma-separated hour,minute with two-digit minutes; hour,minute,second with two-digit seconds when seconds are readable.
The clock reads 5,18,14
